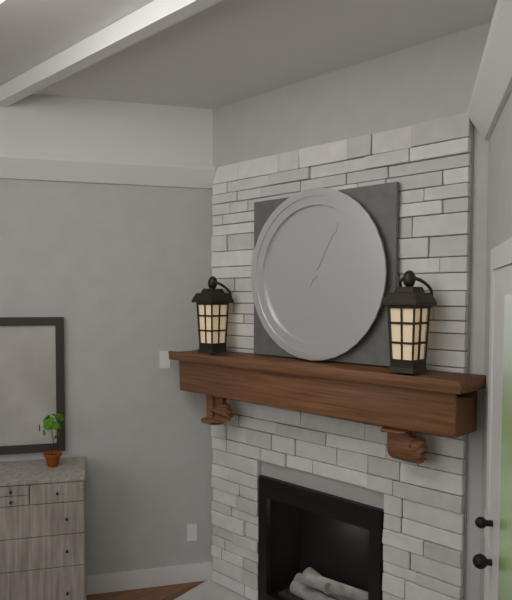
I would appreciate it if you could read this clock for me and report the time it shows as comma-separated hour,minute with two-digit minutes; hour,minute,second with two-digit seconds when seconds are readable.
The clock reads 5,05
